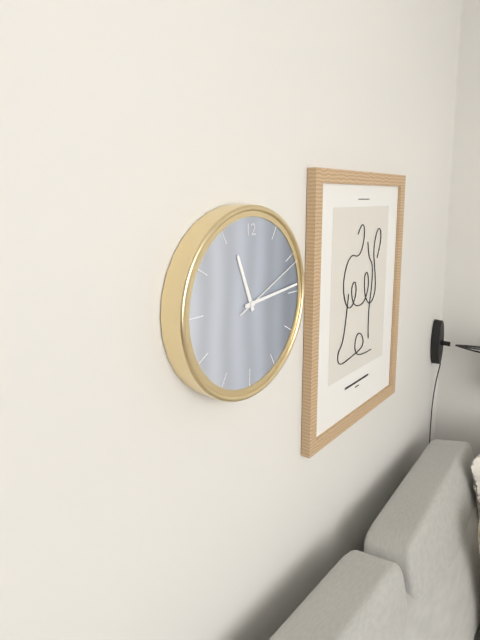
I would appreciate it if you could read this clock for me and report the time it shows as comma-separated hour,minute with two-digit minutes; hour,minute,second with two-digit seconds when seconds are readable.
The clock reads 11,14,11
